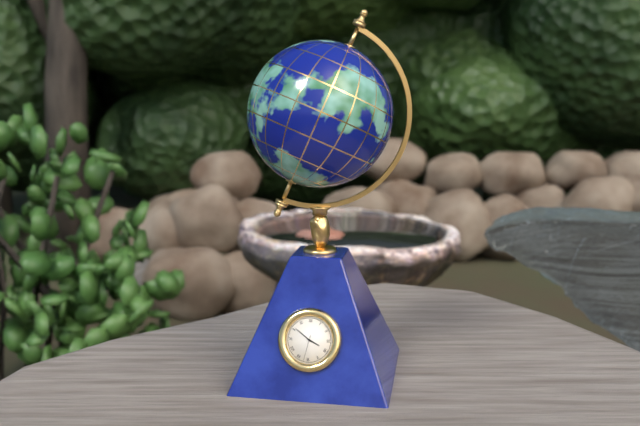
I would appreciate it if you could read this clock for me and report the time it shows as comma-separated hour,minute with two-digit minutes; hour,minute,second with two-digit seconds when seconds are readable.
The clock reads 3,51
